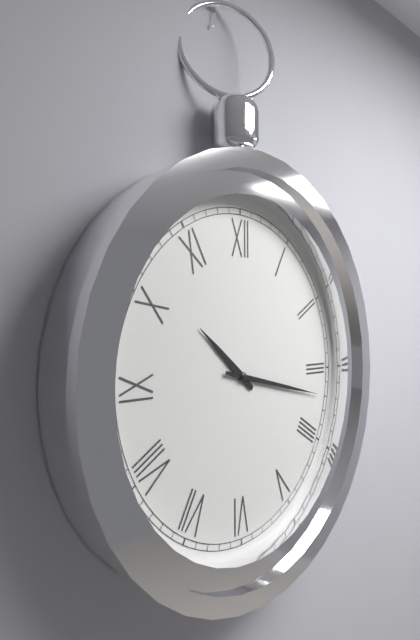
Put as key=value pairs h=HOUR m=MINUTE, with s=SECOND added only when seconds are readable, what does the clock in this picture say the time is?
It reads h=10 m=17
